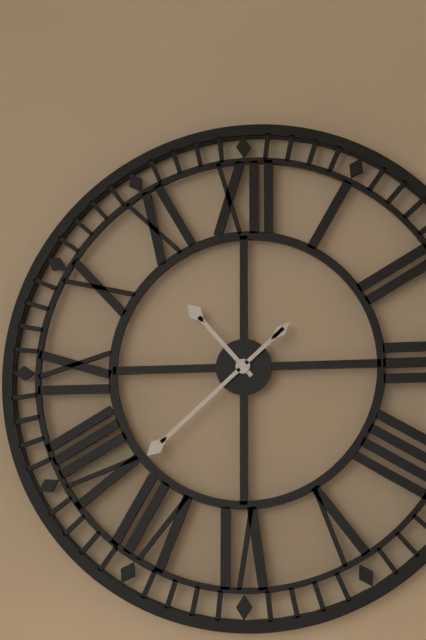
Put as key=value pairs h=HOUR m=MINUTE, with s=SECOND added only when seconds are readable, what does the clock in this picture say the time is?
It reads h=10 m=38
